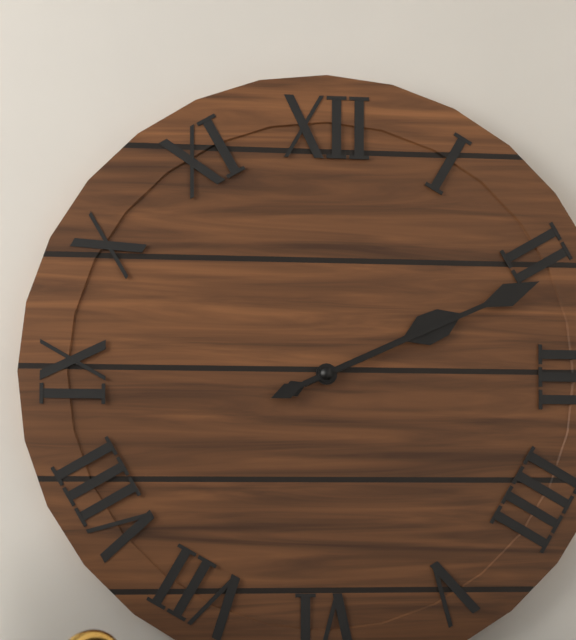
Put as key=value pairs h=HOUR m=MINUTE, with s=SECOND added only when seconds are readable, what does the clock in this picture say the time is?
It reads h=2 m=11
